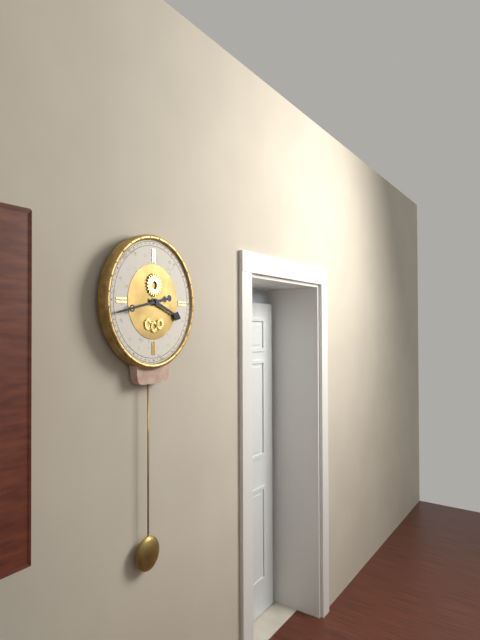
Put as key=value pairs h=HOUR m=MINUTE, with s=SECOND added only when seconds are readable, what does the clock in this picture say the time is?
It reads h=3 m=43
